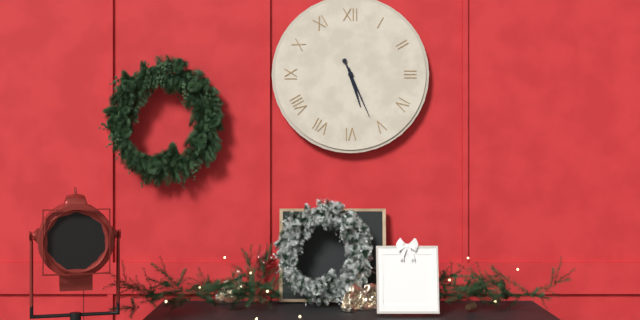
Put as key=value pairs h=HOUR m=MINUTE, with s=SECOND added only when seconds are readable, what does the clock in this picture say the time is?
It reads h=5 m=26
